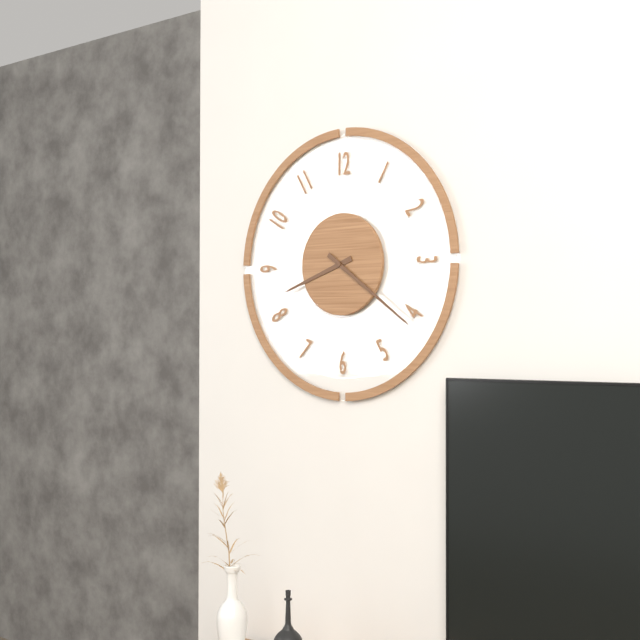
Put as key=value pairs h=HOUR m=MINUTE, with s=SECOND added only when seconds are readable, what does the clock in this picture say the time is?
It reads h=8 m=21
